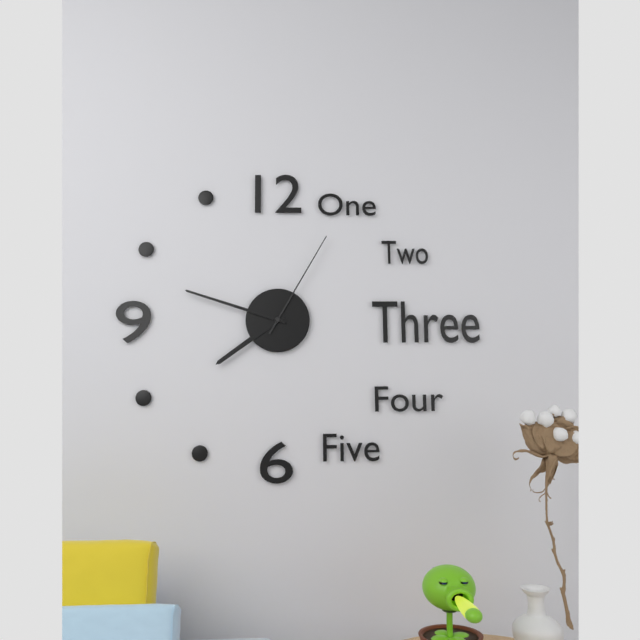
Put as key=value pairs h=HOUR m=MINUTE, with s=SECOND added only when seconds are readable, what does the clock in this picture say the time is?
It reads h=7 m=48 s=5
